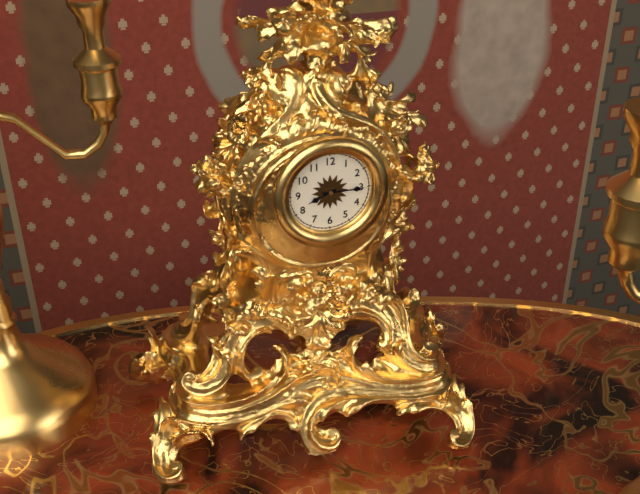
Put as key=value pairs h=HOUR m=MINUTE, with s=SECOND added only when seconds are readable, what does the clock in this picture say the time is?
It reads h=8 m=15
